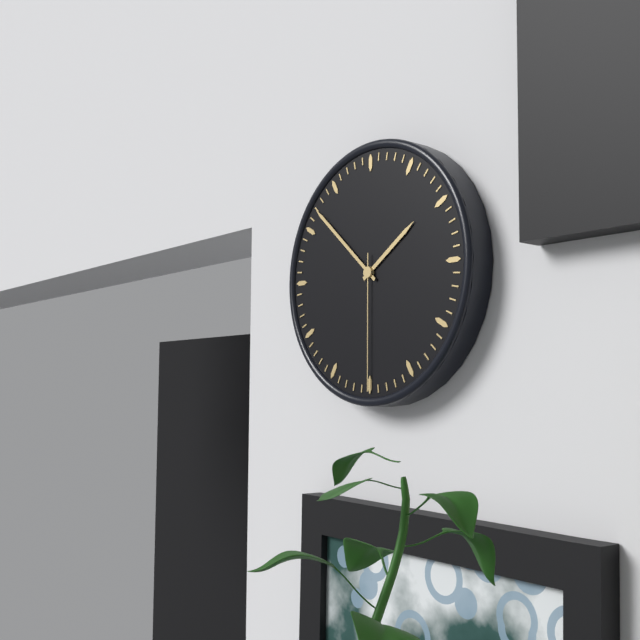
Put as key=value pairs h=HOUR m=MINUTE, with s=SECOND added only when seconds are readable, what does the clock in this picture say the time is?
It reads h=1 m=52 s=30
